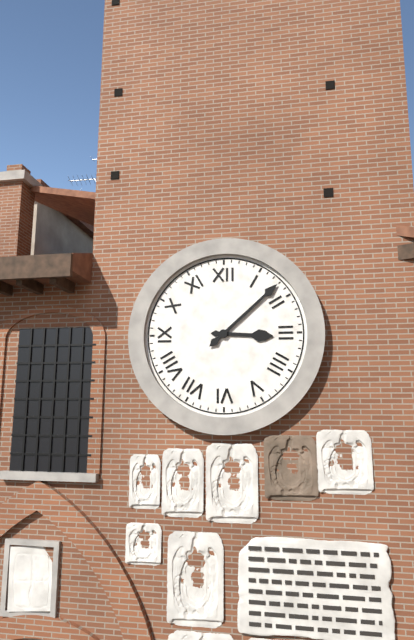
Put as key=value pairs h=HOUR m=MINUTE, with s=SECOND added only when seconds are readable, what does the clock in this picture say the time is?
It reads h=3 m=8
